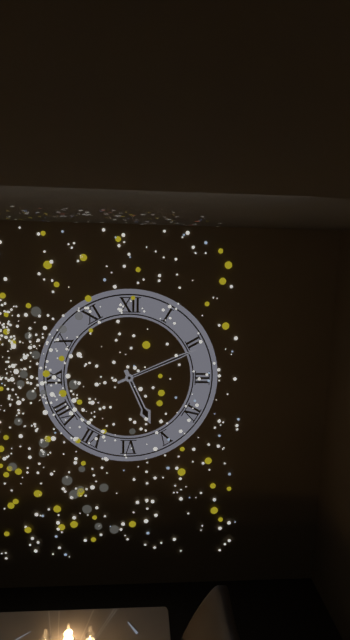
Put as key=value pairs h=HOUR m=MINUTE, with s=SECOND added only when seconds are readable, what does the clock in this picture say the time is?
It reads h=5 m=11
